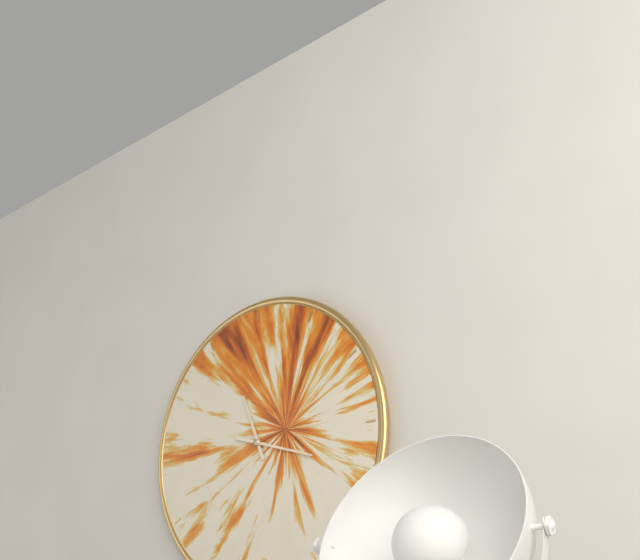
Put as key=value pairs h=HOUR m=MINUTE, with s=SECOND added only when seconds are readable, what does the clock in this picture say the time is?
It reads h=11 m=18
